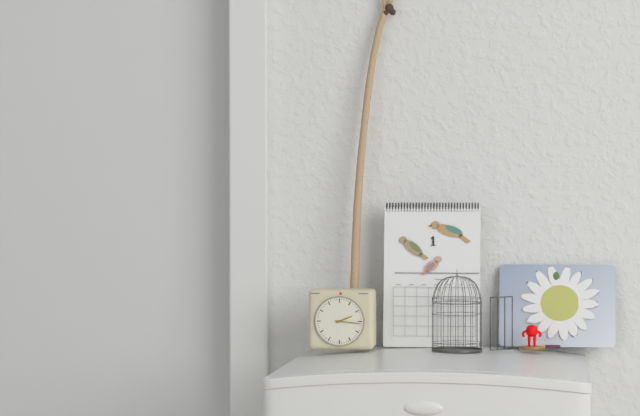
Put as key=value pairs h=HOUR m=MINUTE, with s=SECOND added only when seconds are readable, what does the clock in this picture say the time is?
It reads h=2 m=16
